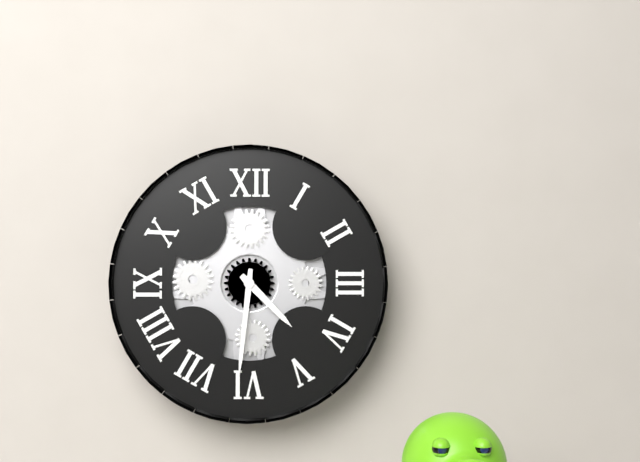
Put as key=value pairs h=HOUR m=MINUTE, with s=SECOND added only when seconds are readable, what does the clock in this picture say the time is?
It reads h=4 m=31
